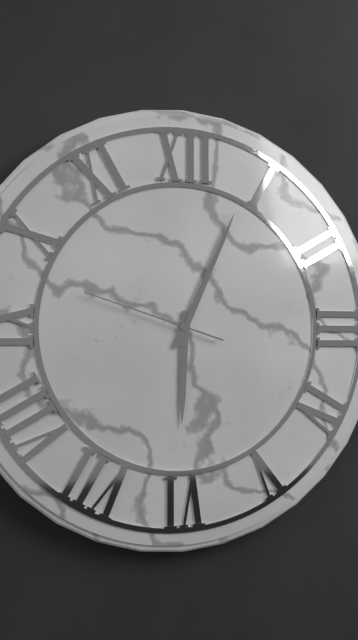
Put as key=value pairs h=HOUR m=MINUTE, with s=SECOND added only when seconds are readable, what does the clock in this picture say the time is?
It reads h=6 m=4 s=48
